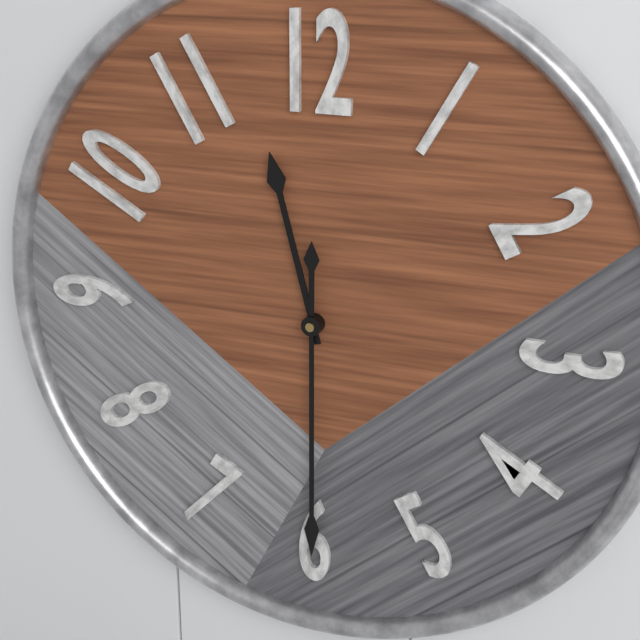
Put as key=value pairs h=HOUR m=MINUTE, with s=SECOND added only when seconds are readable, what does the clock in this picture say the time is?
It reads h=11 m=30
